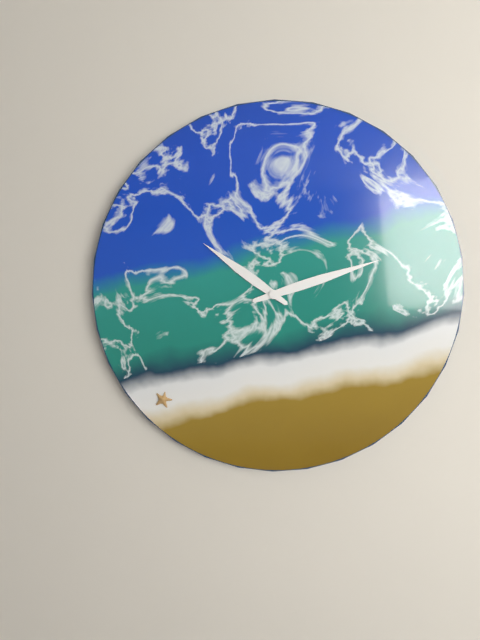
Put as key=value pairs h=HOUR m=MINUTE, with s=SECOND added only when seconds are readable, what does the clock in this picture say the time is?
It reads h=10 m=12
